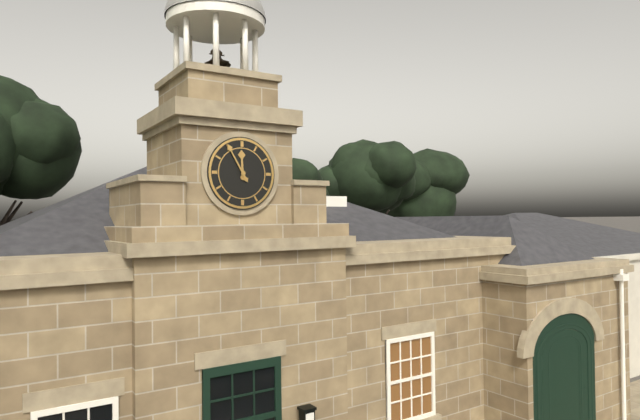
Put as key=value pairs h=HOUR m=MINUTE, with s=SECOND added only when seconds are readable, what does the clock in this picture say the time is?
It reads h=11 m=55
